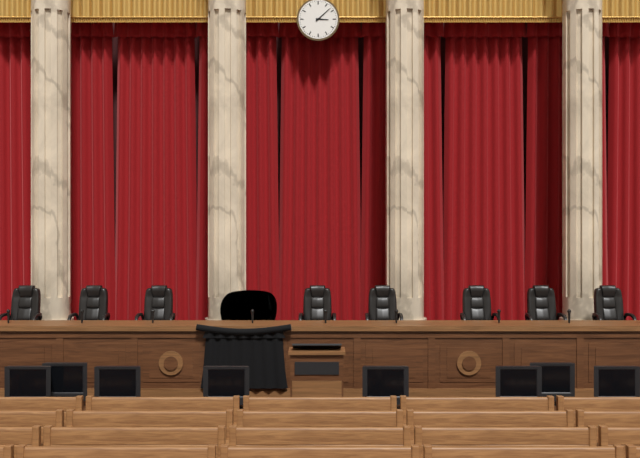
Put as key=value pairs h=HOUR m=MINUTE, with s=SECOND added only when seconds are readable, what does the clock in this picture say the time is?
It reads h=3 m=8
